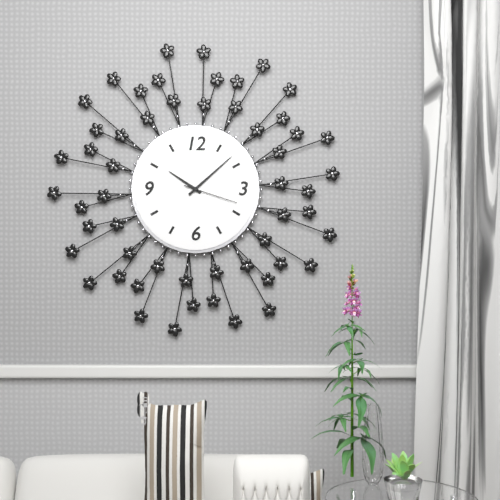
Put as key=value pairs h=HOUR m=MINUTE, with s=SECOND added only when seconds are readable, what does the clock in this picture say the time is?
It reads h=10 m=8 s=18
